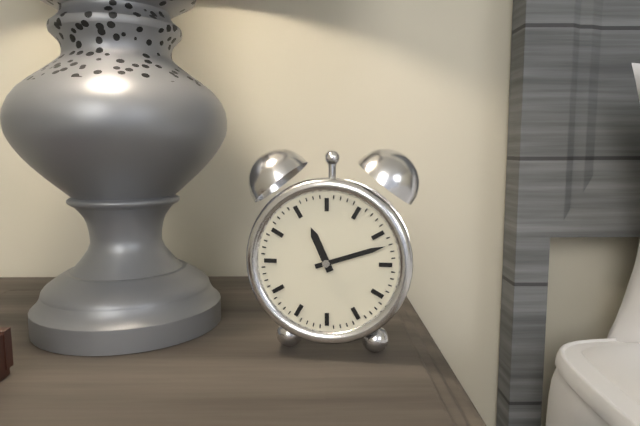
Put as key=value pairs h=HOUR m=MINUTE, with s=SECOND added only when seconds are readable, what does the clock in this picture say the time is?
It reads h=11 m=12
